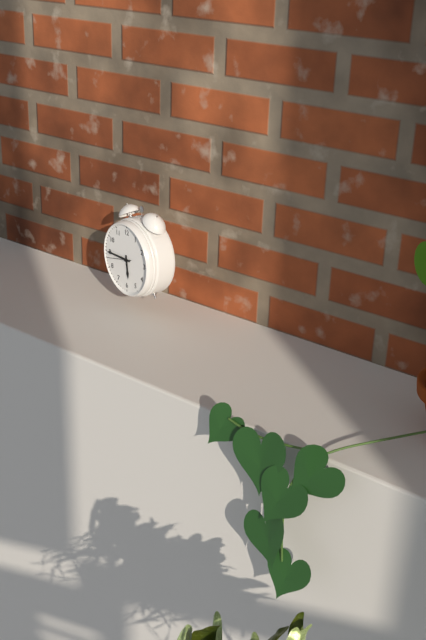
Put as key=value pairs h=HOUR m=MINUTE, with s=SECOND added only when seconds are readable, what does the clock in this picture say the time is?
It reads h=5 m=45
